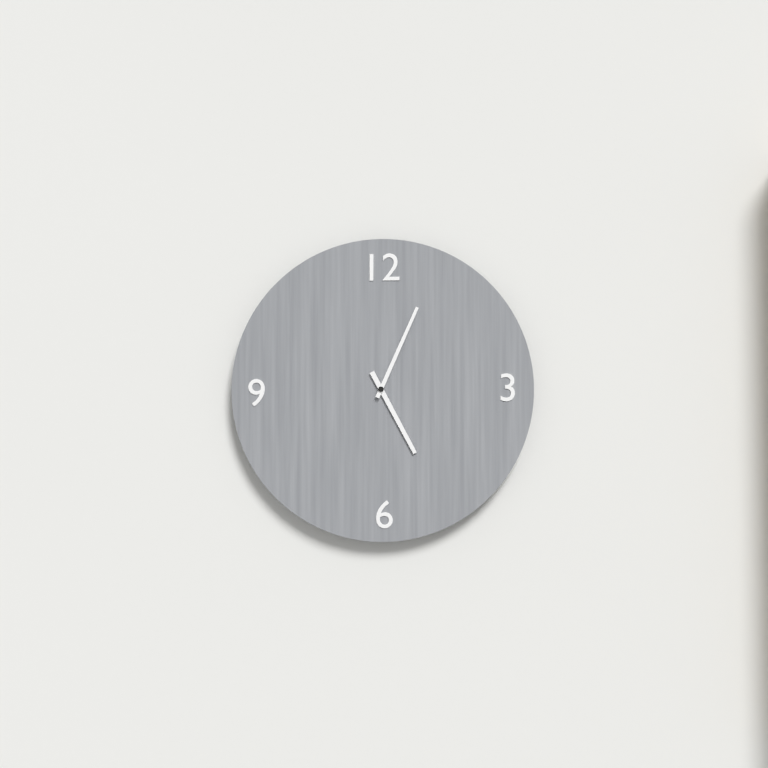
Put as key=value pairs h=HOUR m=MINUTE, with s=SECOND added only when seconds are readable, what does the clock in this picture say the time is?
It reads h=5 m=4
